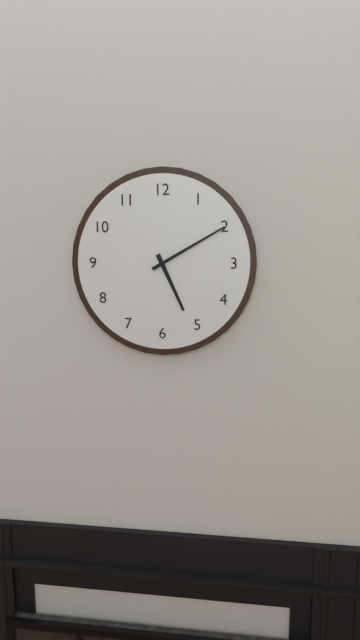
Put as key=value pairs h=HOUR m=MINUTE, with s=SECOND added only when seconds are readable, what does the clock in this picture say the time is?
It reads h=5 m=10
